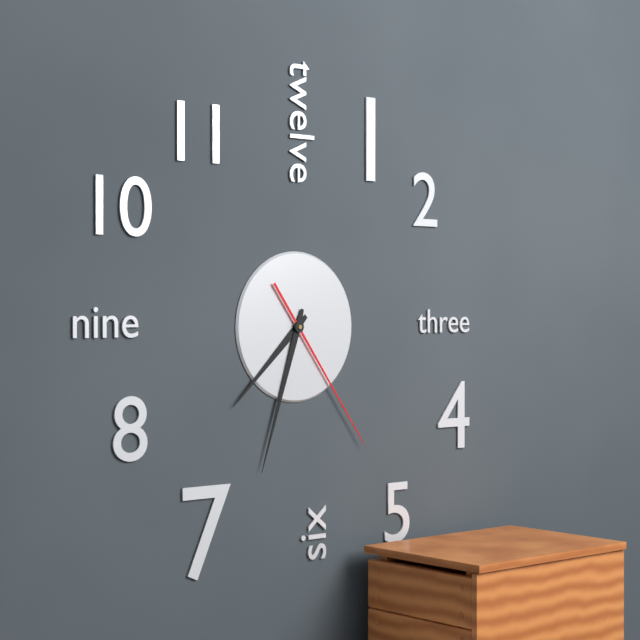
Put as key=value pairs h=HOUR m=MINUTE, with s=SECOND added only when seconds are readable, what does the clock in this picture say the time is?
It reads h=7 m=33 s=24
